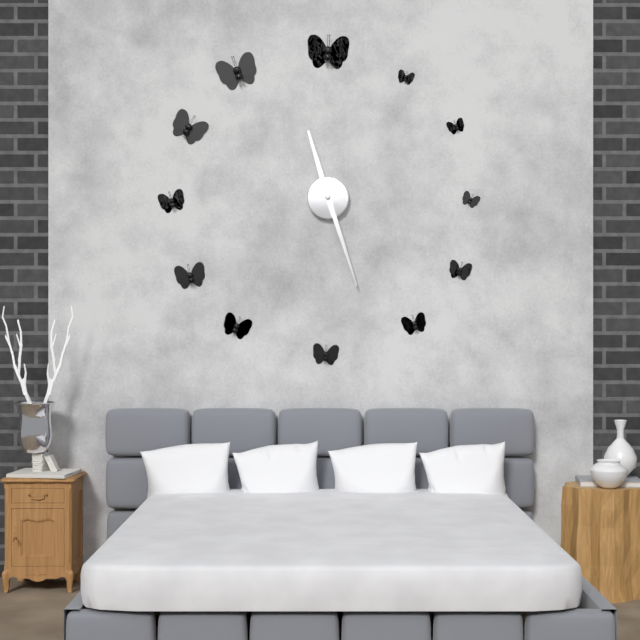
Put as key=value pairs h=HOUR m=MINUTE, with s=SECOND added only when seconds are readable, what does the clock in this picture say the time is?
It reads h=11 m=27
